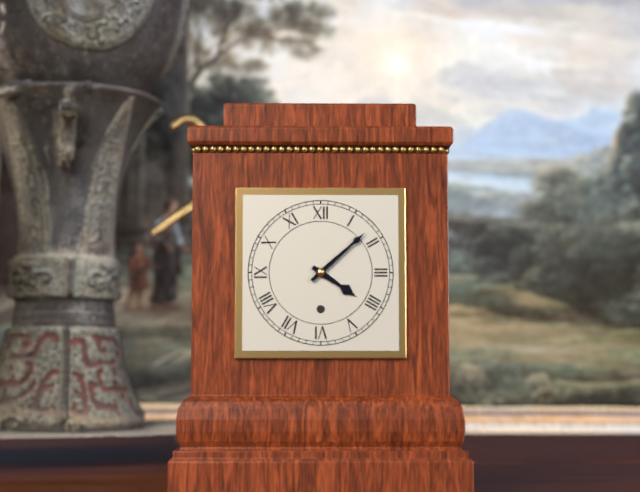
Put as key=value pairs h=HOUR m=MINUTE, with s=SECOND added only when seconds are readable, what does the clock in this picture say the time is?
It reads h=4 m=8
